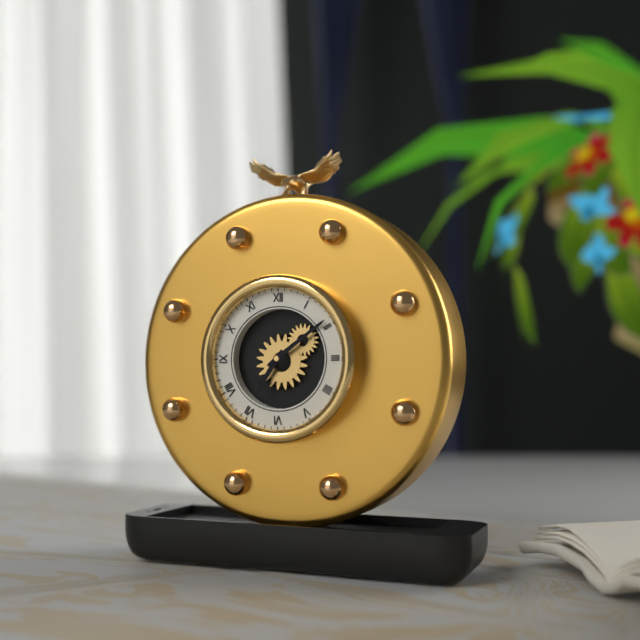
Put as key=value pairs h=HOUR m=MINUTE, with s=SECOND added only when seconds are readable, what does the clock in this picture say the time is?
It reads h=7 m=9
